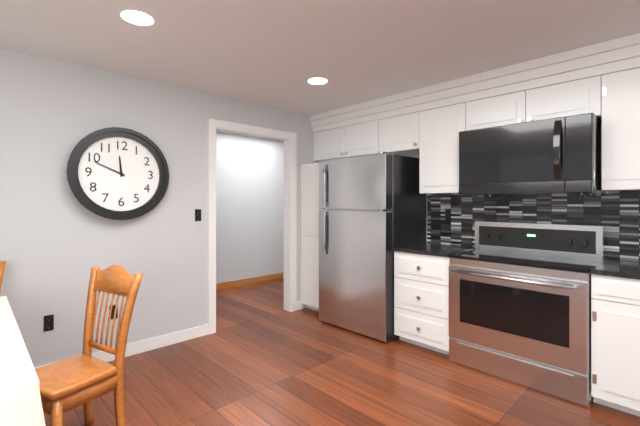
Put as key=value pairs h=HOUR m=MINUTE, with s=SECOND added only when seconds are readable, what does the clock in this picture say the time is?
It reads h=11 m=49
